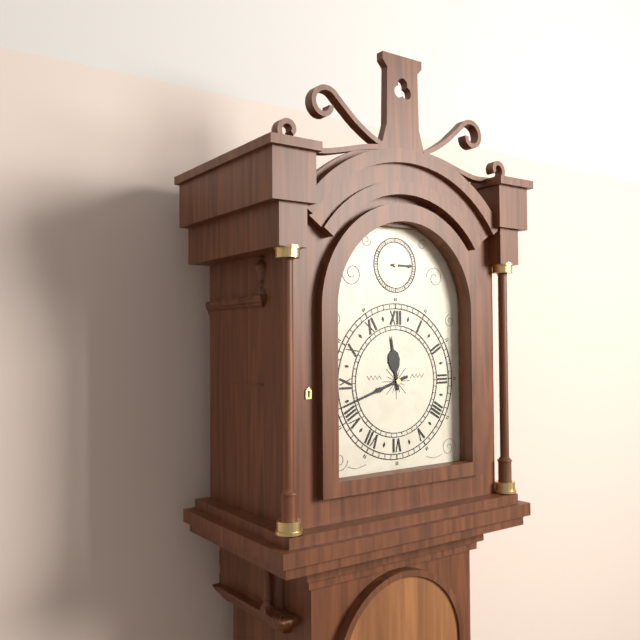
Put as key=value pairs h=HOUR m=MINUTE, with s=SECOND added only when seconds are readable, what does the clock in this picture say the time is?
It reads h=11 m=42
